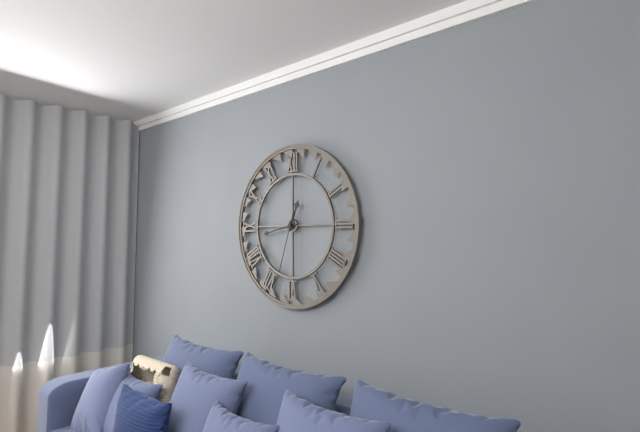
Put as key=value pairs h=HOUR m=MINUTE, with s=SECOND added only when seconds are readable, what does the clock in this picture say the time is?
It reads h=12 m=43 s=33
